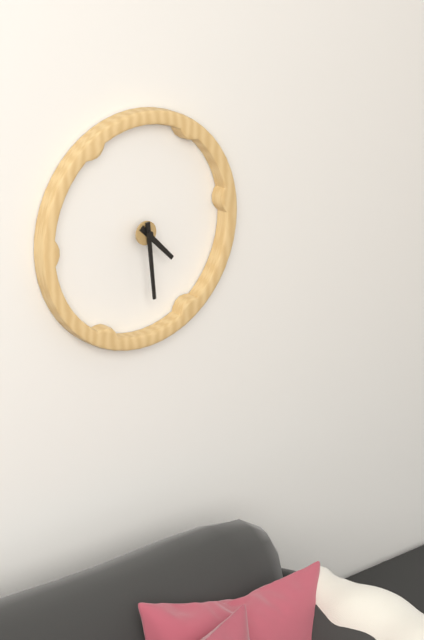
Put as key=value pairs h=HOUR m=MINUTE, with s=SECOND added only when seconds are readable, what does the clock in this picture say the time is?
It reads h=4 m=29
